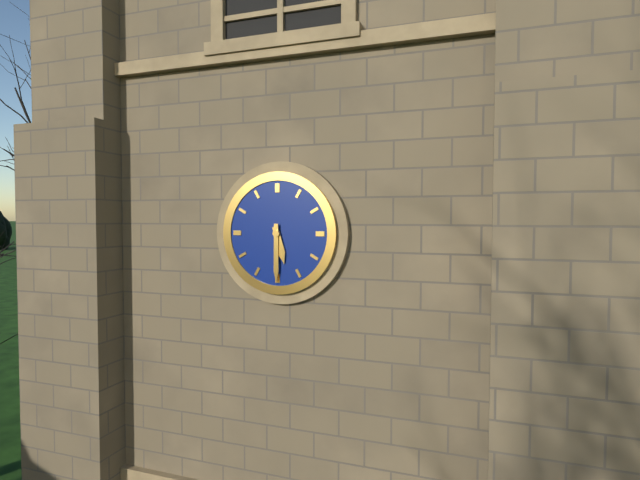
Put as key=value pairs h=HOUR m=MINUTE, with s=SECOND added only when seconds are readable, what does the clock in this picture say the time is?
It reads h=5 m=30
